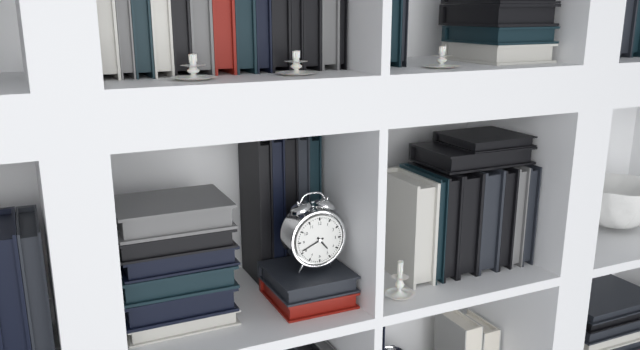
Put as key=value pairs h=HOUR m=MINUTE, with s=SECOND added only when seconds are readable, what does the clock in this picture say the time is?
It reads h=4 m=41
